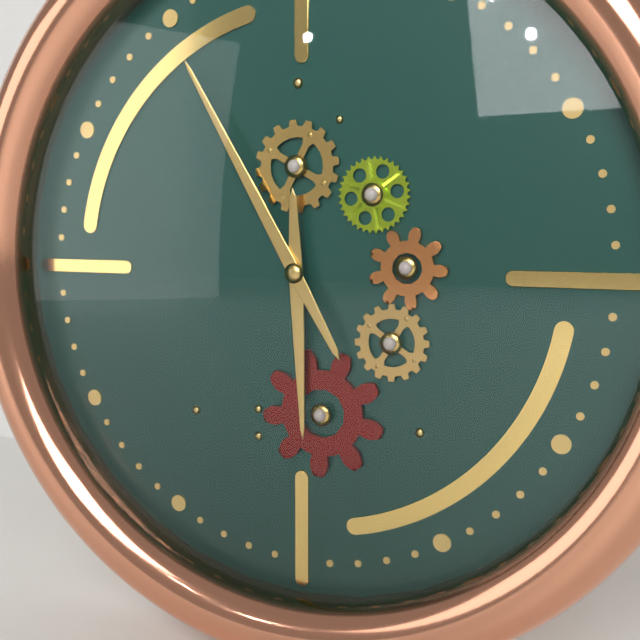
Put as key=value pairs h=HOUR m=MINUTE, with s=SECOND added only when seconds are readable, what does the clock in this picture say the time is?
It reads h=5 m=55
